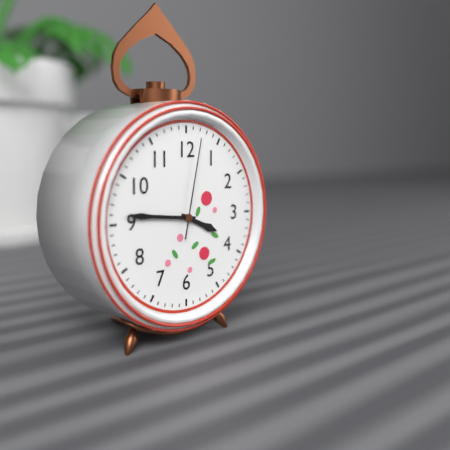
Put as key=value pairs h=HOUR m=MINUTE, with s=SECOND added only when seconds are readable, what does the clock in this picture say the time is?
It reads h=3 m=46 s=2
